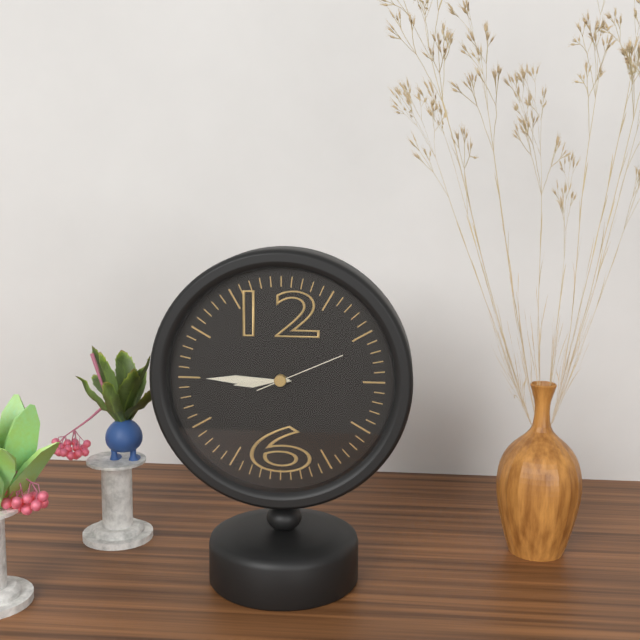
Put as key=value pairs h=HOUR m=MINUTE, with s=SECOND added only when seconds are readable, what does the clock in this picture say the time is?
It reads h=8 m=45 s=11
